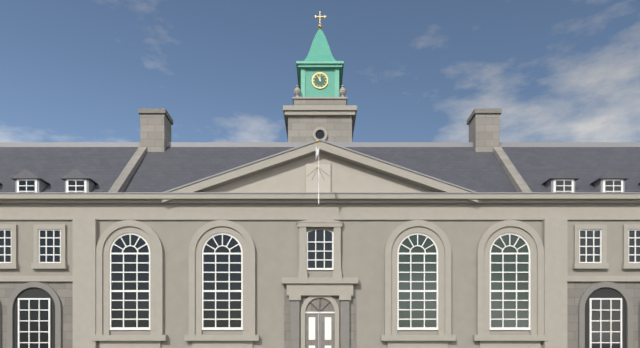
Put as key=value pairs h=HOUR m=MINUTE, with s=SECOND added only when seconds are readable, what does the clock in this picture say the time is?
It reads h=11 m=55
